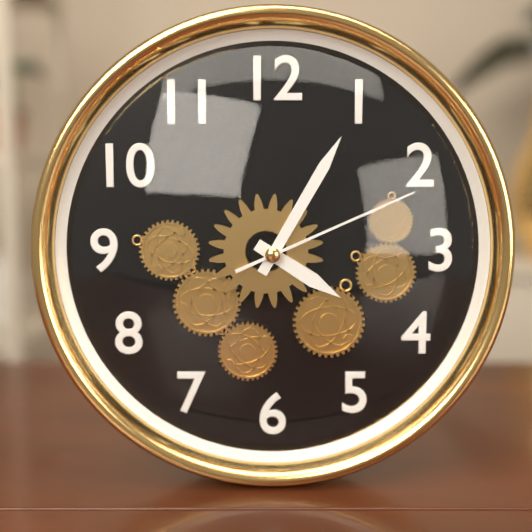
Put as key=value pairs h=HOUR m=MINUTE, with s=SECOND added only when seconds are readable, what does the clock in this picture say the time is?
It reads h=4 m=5 s=11
